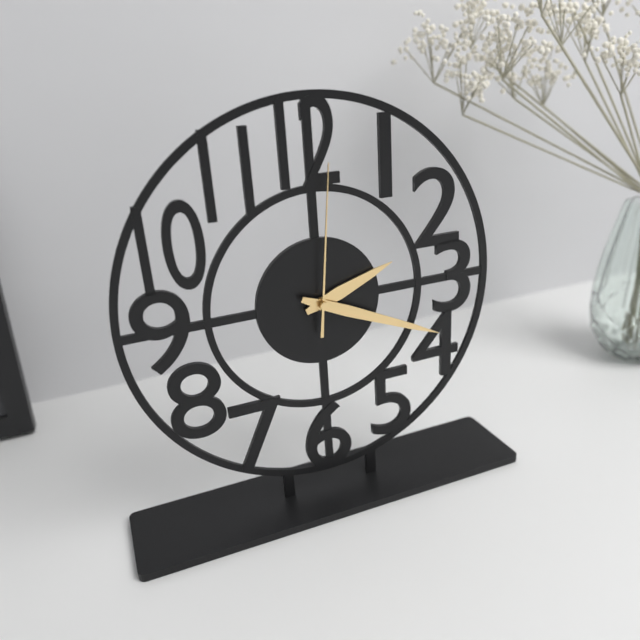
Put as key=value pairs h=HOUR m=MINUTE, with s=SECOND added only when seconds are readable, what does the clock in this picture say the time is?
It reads h=2 m=19 s=1
